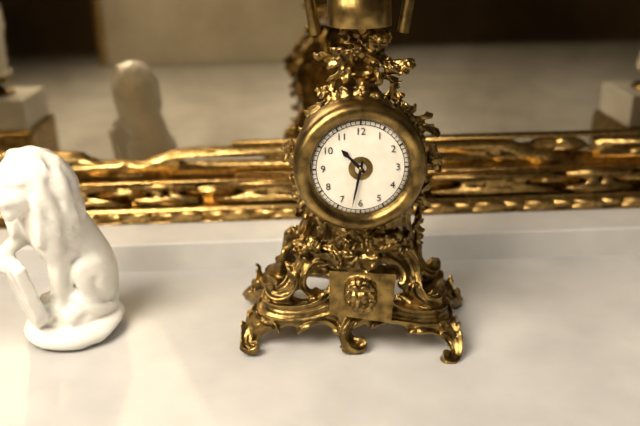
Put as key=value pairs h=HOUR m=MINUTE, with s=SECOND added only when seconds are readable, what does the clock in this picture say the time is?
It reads h=10 m=32
